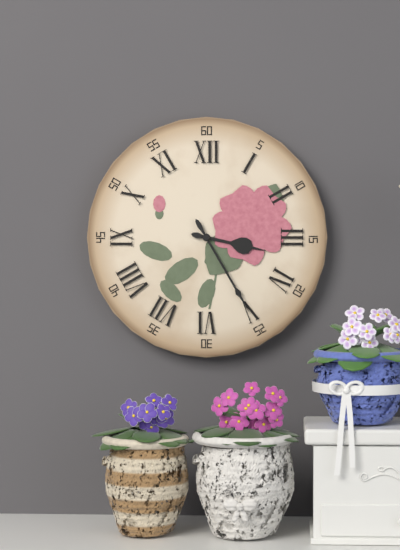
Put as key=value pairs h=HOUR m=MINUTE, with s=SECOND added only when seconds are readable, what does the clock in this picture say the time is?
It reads h=3 m=25
